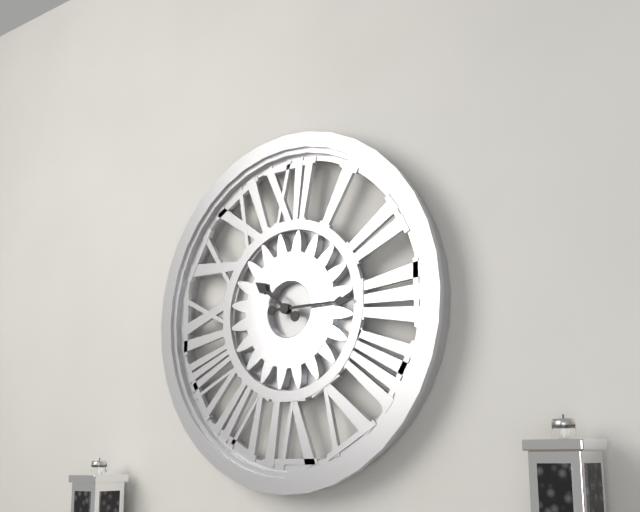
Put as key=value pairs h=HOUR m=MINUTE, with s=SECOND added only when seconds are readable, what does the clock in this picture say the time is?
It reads h=10 m=15
